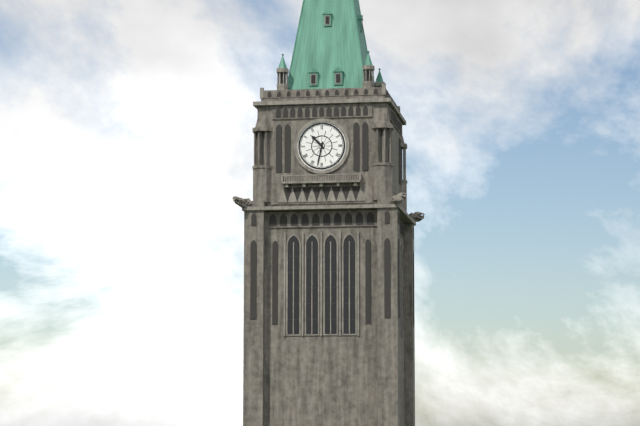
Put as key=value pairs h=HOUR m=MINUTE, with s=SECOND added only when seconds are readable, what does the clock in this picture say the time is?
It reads h=10 m=32
